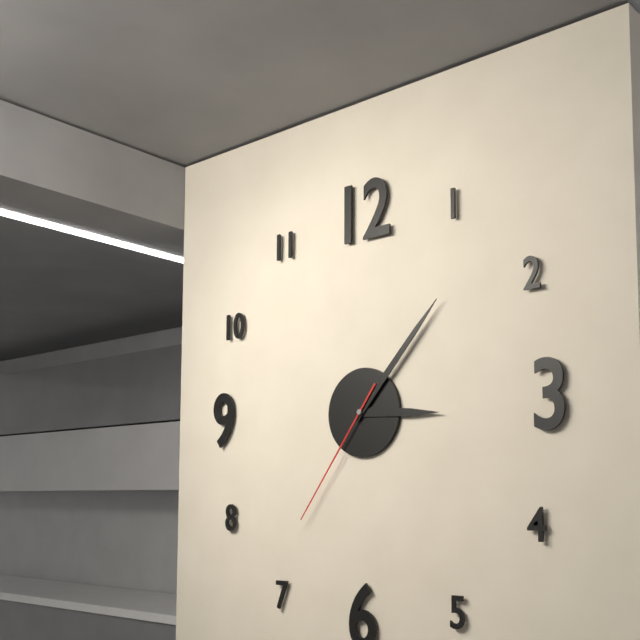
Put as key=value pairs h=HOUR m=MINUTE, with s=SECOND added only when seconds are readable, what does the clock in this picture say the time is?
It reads h=3 m=7 s=36
